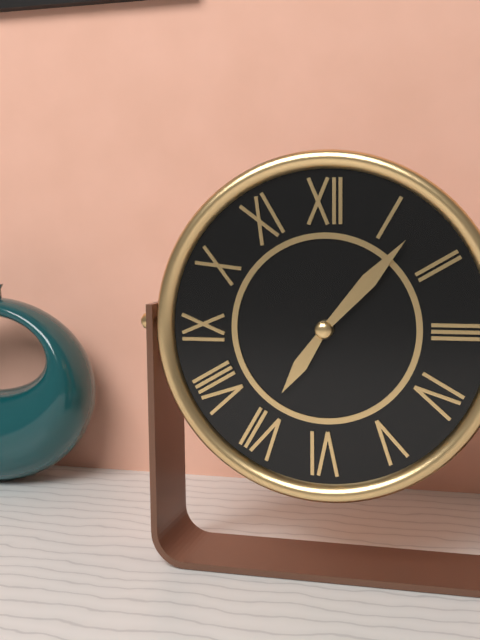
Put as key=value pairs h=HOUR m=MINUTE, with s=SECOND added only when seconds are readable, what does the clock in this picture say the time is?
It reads h=7 m=7
